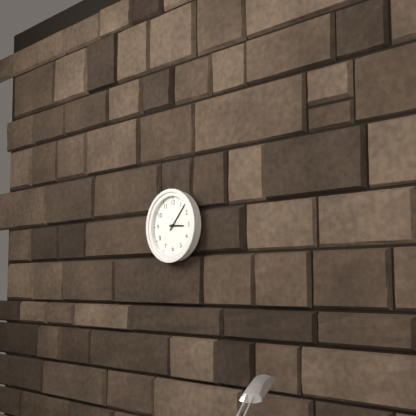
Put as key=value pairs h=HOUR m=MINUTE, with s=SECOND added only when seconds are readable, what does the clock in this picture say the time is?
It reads h=3 m=7
